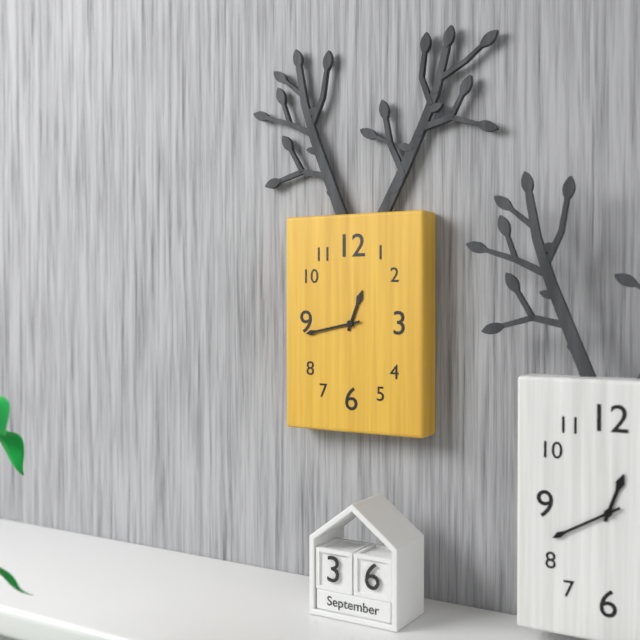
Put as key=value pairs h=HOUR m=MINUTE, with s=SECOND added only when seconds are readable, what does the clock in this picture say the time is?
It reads h=12 m=43
